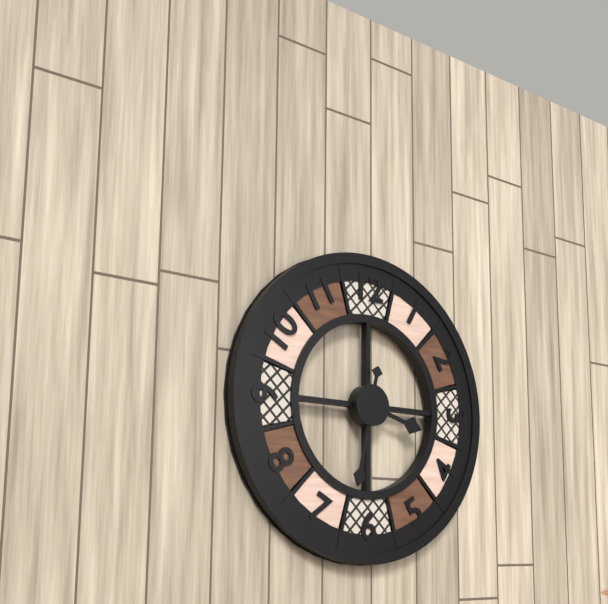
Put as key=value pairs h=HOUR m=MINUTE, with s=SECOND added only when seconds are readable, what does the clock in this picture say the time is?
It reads h=3 m=32
